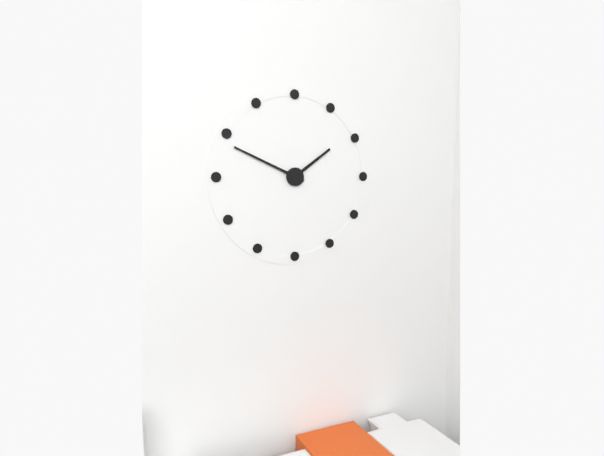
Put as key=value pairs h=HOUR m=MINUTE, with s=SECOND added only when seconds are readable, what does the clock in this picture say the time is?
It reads h=1 m=49
